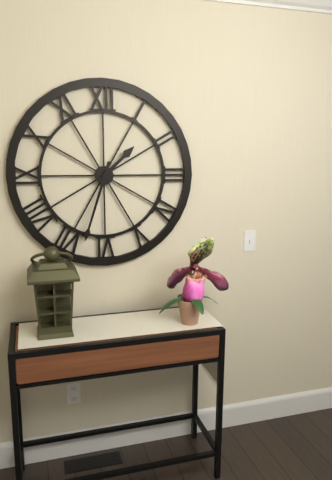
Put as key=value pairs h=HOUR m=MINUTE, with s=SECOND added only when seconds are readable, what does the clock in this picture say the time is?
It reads h=1 m=33
